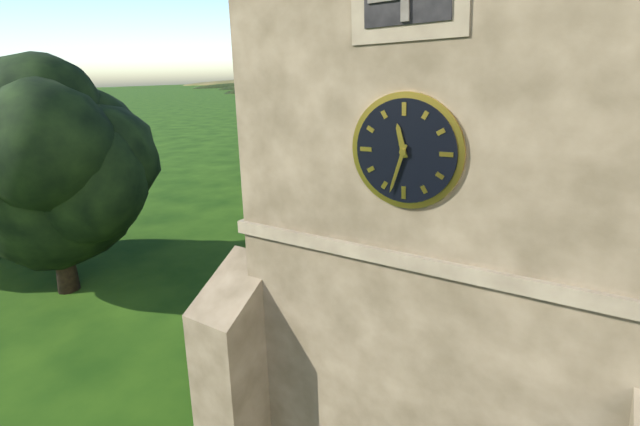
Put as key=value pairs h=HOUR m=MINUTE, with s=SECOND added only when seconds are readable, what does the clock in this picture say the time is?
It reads h=11 m=33
